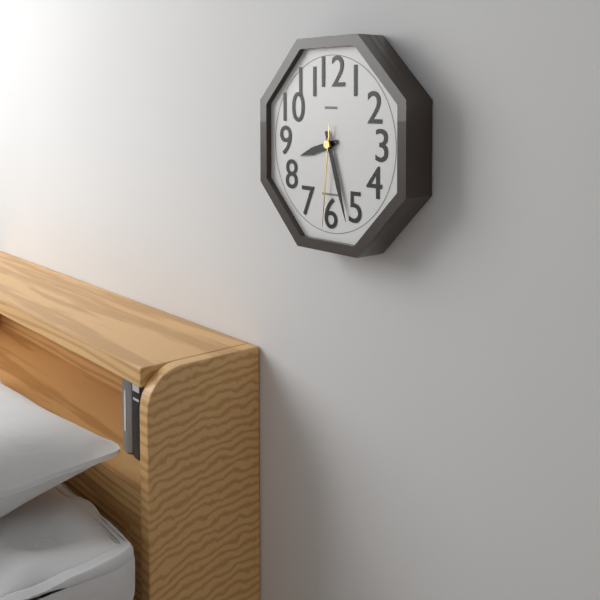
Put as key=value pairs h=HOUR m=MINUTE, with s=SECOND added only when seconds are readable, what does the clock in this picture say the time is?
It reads h=8 m=27 s=31
